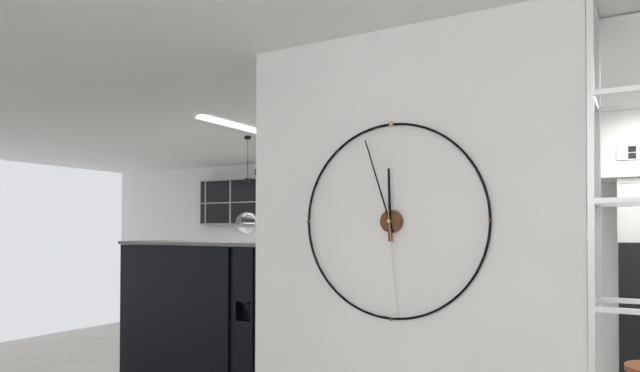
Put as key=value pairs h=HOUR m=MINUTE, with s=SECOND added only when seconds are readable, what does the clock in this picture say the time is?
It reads h=11 m=57 s=29
